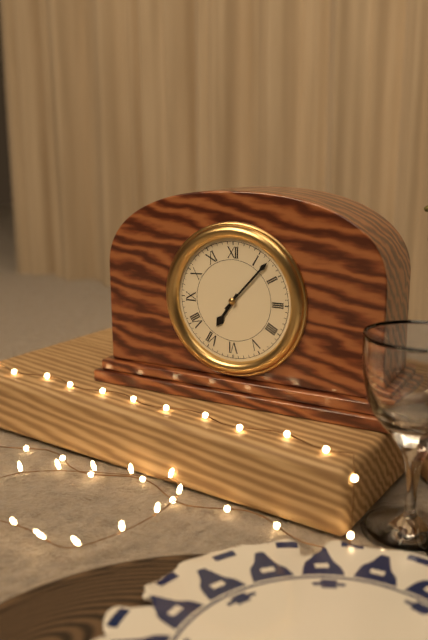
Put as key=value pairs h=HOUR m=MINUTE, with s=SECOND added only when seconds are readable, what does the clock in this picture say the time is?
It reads h=7 m=7
